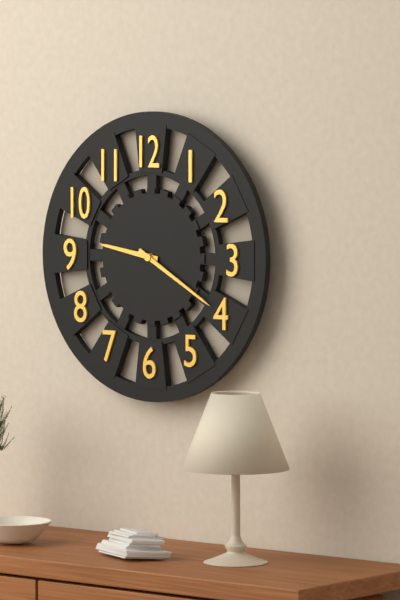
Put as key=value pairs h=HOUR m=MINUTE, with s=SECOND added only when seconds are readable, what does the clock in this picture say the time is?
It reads h=9 m=20
